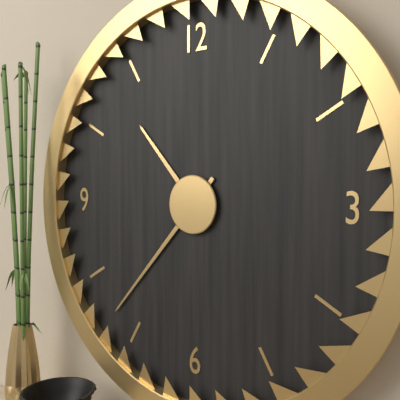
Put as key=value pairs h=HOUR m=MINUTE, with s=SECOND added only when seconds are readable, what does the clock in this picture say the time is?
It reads h=10 m=37
